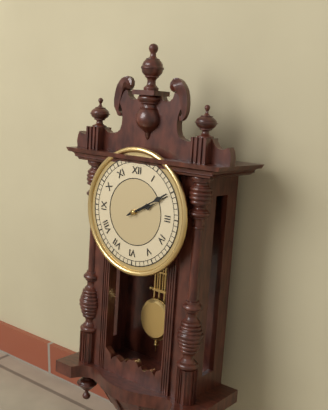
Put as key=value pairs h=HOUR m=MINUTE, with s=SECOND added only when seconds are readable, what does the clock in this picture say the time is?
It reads h=2 m=10
